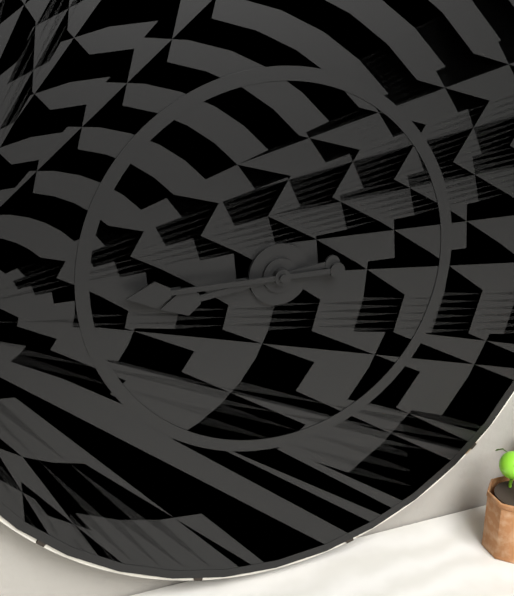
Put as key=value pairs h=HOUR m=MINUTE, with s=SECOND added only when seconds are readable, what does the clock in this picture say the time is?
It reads h=8 m=45
